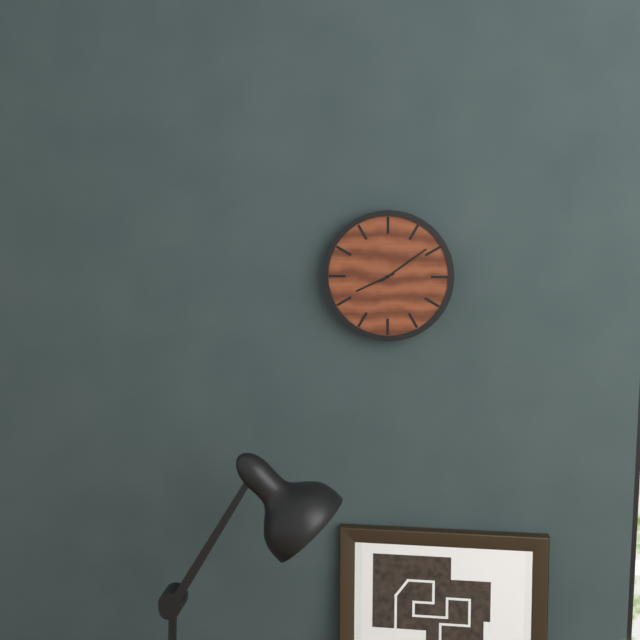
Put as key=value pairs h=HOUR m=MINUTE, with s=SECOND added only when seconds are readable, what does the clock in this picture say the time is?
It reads h=8 m=9
